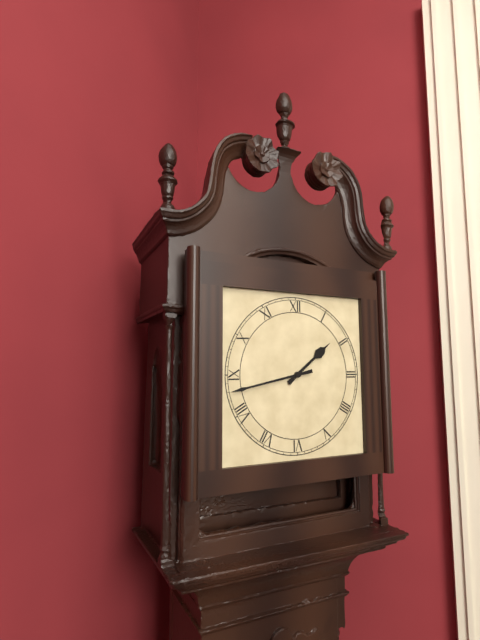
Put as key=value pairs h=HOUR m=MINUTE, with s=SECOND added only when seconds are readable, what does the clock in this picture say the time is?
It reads h=1 m=43
